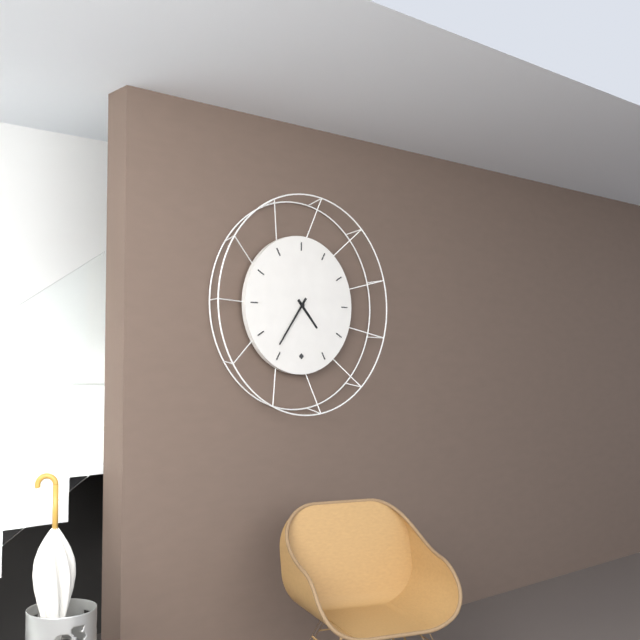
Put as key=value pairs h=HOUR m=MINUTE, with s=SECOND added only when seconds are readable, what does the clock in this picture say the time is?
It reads h=4 m=36
